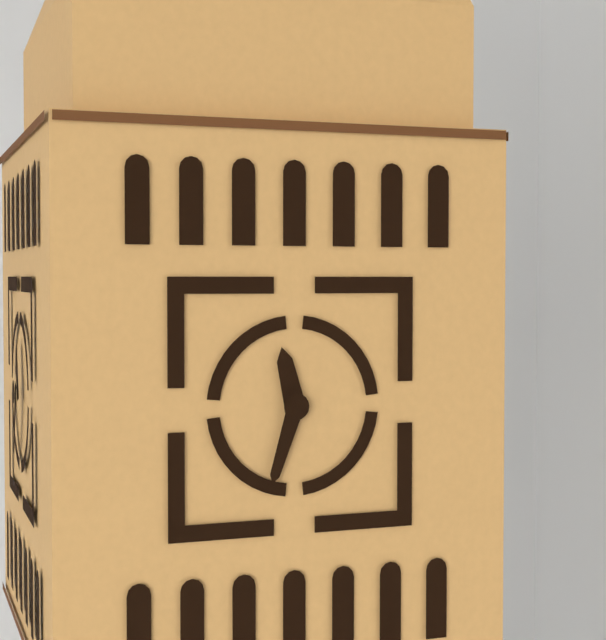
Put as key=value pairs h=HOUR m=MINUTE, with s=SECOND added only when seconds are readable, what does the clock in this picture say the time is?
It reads h=11 m=33
